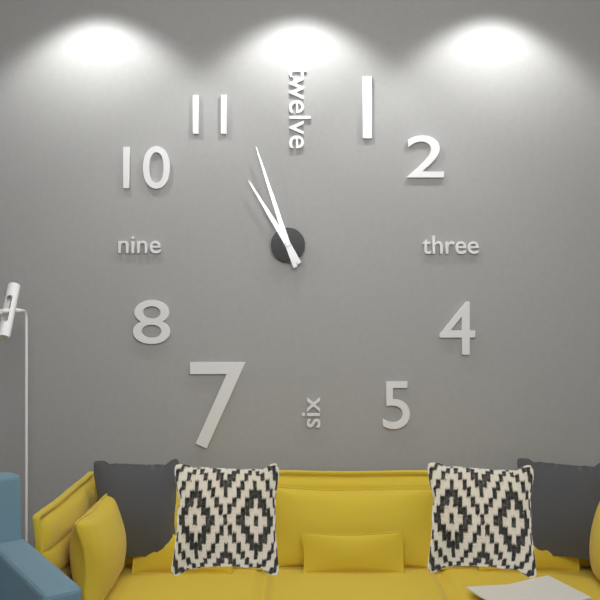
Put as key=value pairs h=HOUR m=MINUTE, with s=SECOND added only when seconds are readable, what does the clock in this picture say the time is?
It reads h=10 m=57
